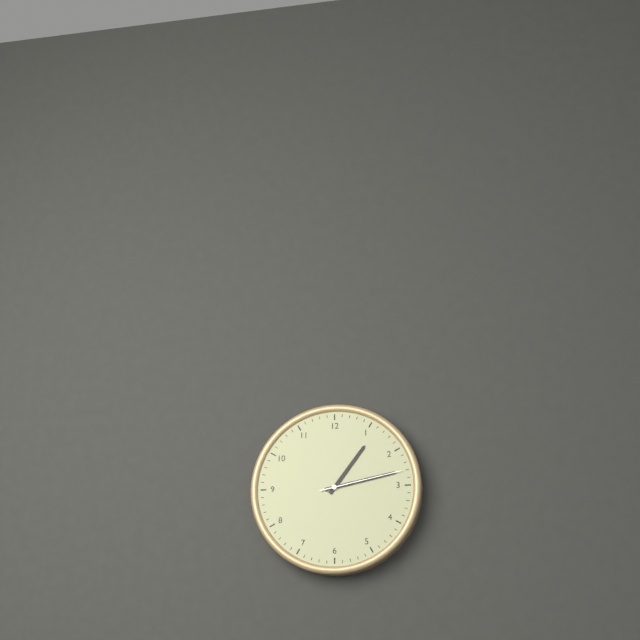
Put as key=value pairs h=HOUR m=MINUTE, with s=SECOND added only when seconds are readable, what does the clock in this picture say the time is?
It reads h=1 m=13 s=13
